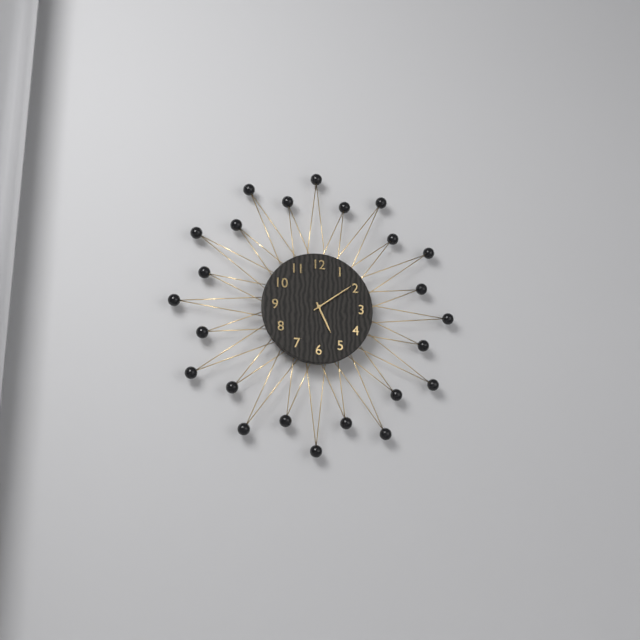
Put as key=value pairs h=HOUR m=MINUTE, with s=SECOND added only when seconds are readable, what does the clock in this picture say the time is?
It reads h=5 m=9
